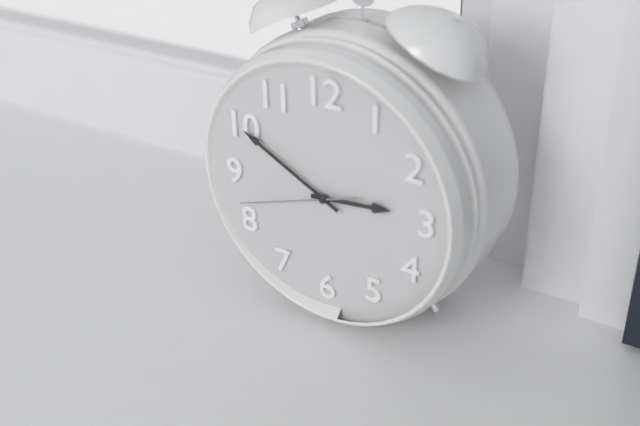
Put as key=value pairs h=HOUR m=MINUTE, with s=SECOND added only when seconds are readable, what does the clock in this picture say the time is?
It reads h=2 m=50 s=42
